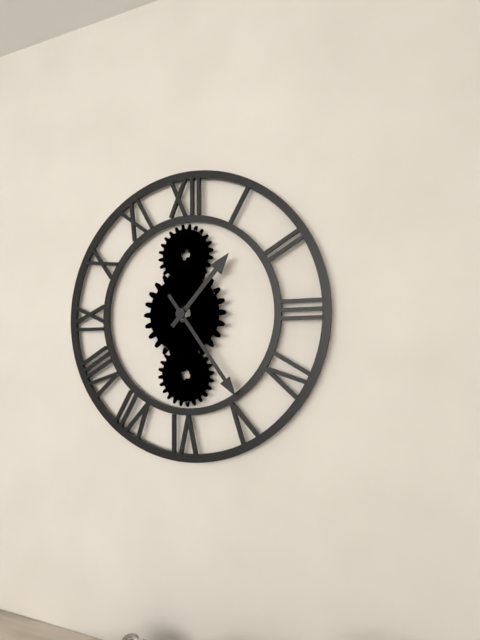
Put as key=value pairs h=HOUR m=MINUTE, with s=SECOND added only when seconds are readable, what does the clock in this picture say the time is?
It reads h=1 m=24
